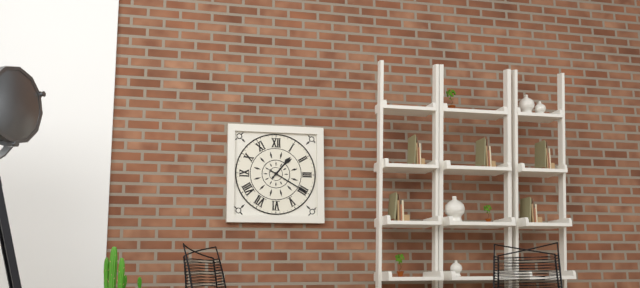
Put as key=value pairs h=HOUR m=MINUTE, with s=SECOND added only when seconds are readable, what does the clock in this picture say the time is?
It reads h=1 m=20
